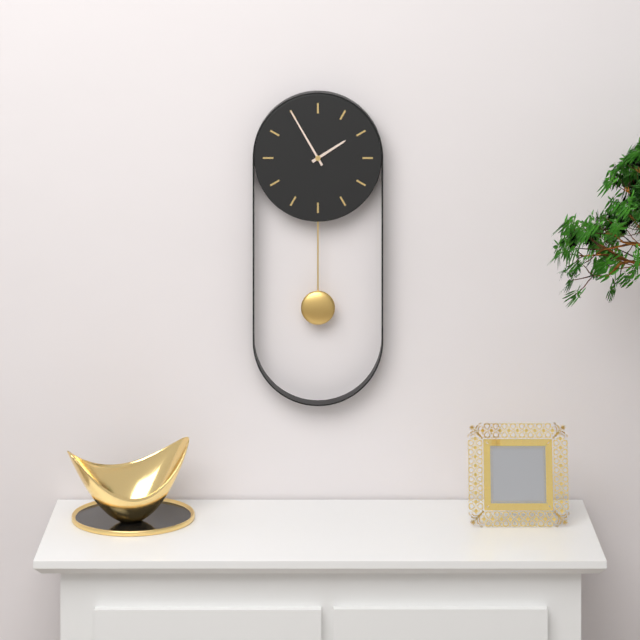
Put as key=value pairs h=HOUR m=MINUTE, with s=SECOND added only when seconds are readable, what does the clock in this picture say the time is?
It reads h=1 m=55
